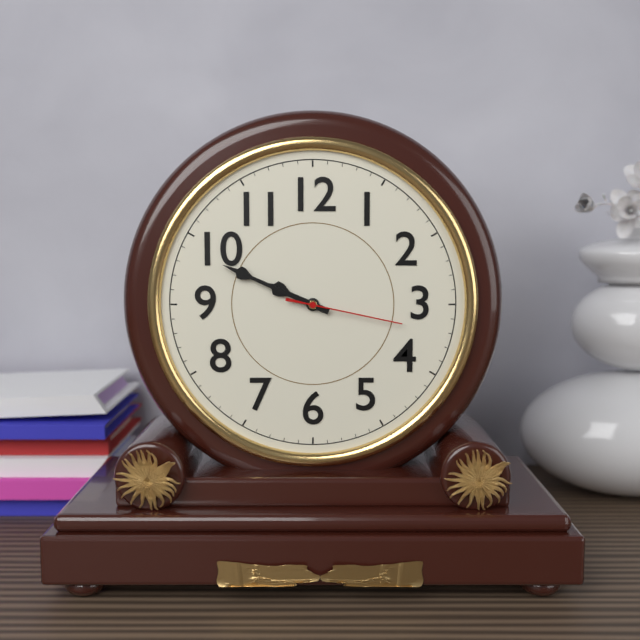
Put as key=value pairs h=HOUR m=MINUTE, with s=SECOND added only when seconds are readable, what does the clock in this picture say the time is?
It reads h=9 m=49 s=17
